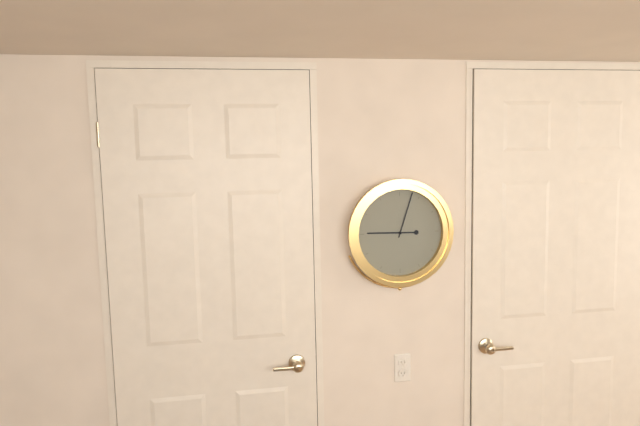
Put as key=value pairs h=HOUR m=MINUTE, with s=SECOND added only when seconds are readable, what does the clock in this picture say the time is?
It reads h=9 m=3
